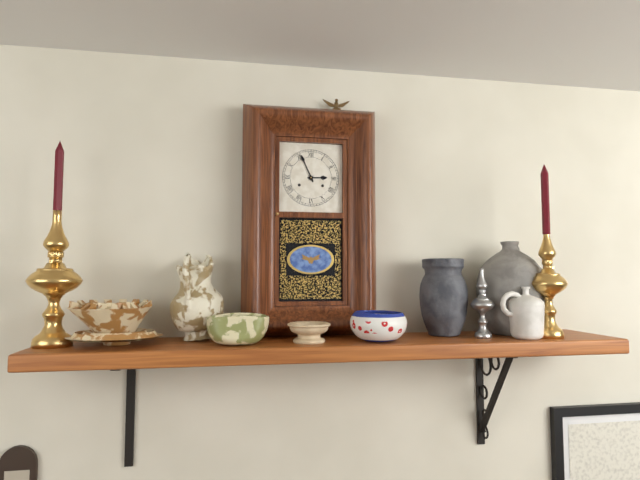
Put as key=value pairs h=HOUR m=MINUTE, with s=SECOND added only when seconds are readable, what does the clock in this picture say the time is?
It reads h=2 m=56
